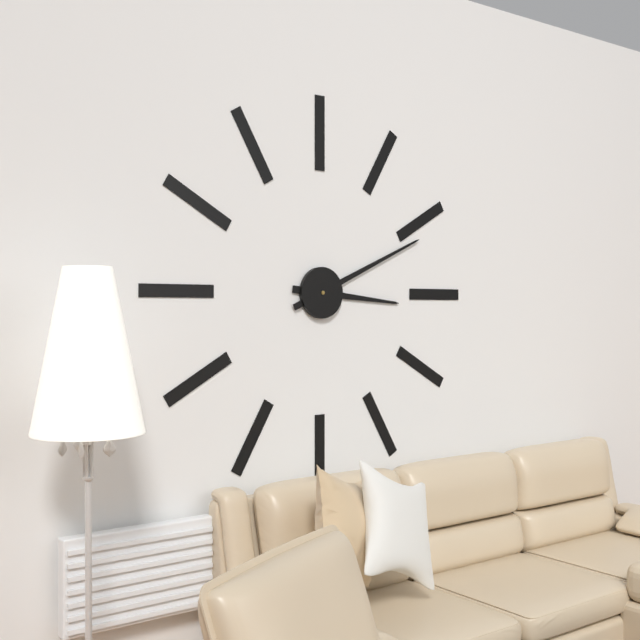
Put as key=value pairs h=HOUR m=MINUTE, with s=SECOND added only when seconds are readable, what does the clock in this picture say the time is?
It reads h=3 m=11
